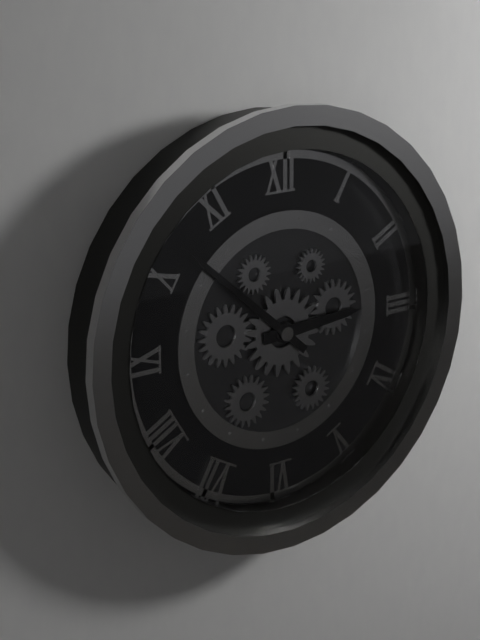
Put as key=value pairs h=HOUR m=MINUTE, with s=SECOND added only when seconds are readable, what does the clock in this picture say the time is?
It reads h=2 m=52
